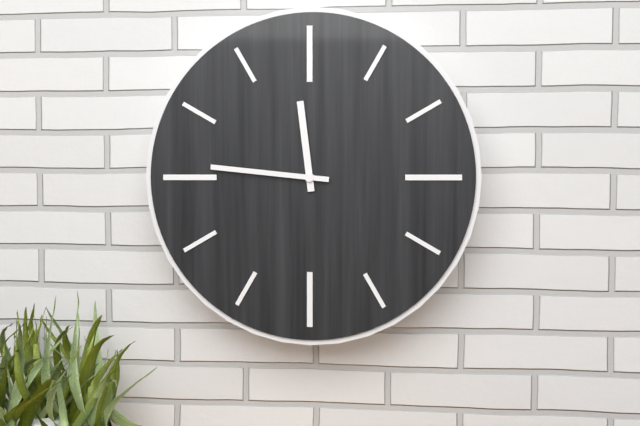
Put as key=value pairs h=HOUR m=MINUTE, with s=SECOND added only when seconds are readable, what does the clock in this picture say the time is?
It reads h=11 m=46
